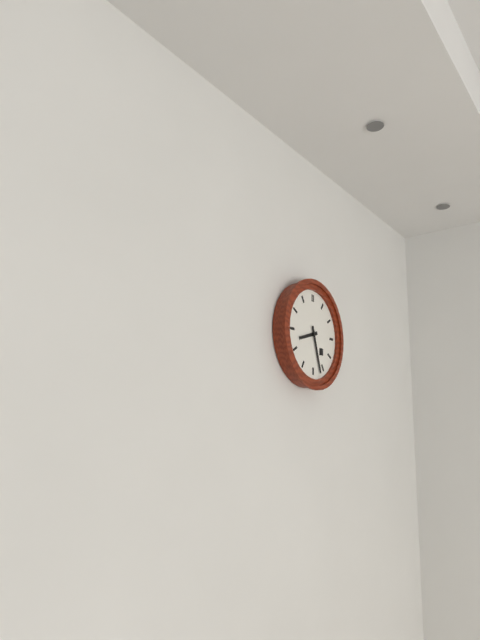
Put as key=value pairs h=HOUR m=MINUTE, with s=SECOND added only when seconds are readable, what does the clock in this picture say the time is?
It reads h=8 m=27
